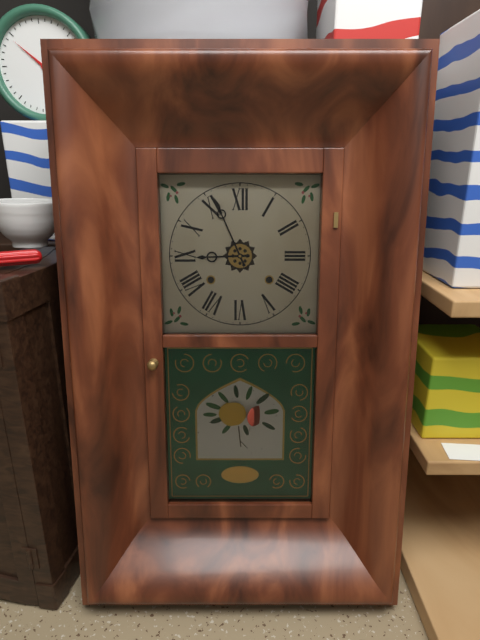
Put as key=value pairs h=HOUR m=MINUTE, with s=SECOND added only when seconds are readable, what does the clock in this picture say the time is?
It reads h=8 m=56
